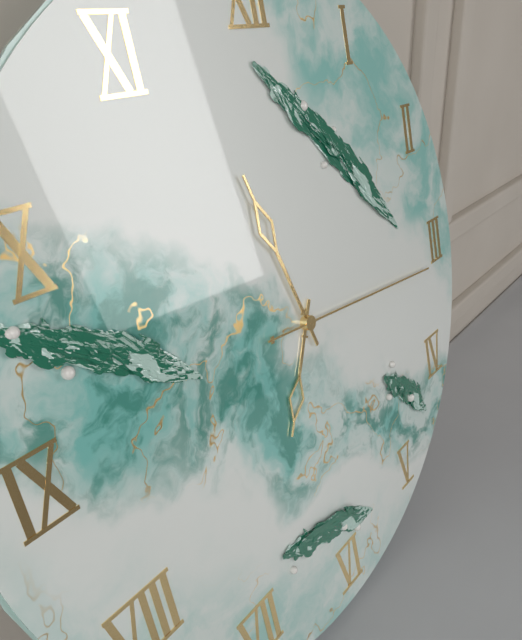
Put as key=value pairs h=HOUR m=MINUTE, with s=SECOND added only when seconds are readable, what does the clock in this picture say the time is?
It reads h=6 m=57 s=16
